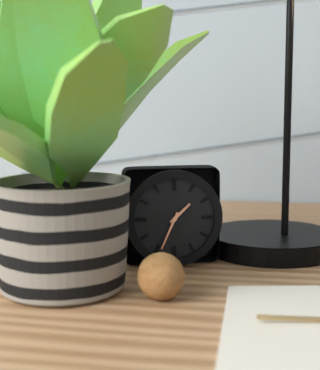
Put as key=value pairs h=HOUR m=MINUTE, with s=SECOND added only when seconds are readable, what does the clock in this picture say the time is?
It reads h=1 m=34
